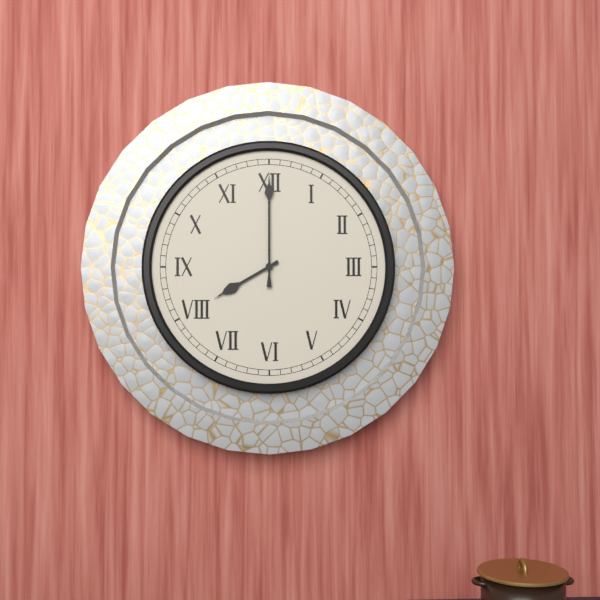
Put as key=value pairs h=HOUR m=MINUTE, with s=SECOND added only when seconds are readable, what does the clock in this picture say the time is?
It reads h=8 m=0
